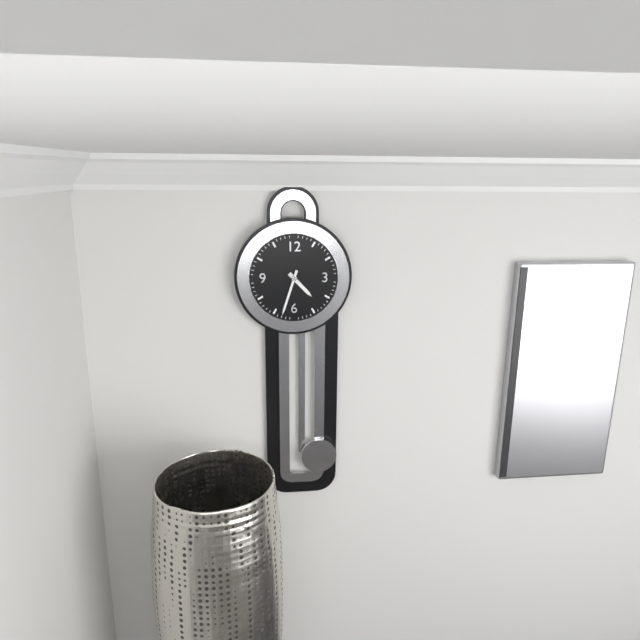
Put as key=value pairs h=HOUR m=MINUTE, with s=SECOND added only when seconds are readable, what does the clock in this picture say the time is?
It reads h=4 m=33
